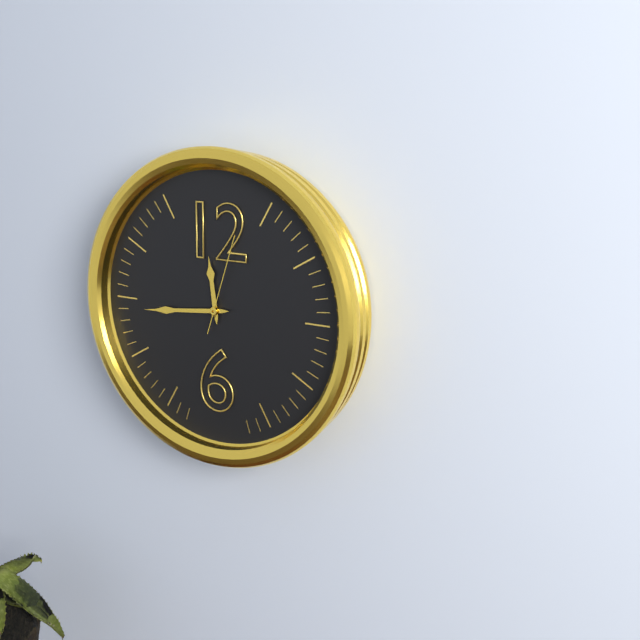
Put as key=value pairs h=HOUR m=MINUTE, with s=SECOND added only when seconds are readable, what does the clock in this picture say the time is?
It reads h=11 m=44 s=3
